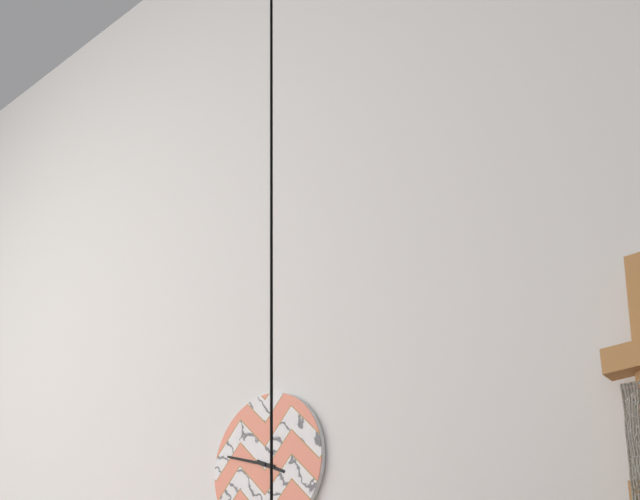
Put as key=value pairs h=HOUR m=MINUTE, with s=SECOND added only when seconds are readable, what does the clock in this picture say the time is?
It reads h=3 m=48
